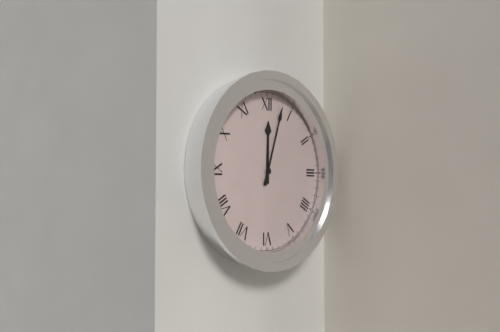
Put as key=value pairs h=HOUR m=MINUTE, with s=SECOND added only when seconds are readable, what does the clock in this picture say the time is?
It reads h=12 m=3
